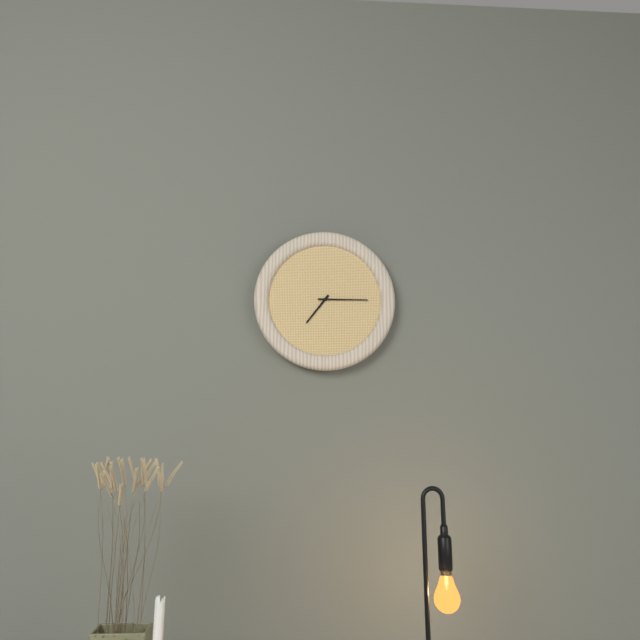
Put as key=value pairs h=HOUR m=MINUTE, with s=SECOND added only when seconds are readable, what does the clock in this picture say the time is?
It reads h=7 m=15
